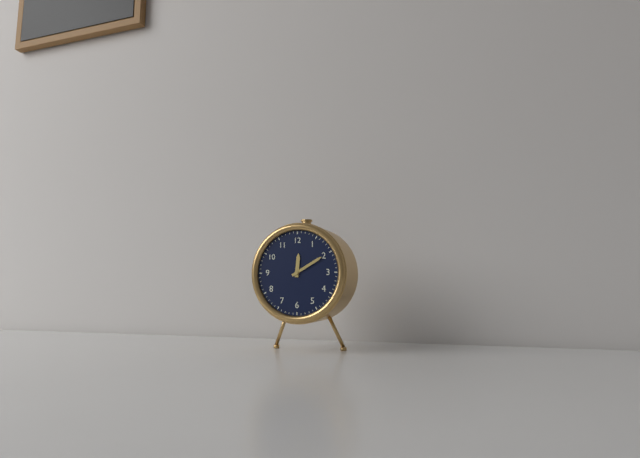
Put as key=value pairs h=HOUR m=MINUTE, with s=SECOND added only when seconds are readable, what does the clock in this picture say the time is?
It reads h=12 m=10
